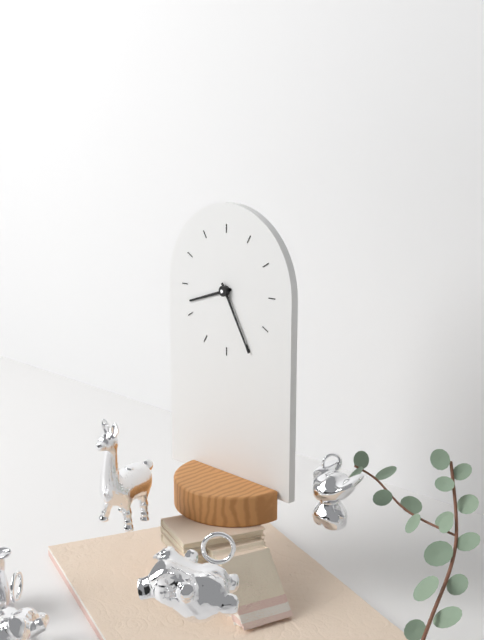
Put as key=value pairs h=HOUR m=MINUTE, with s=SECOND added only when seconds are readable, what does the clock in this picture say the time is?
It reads h=8 m=25
